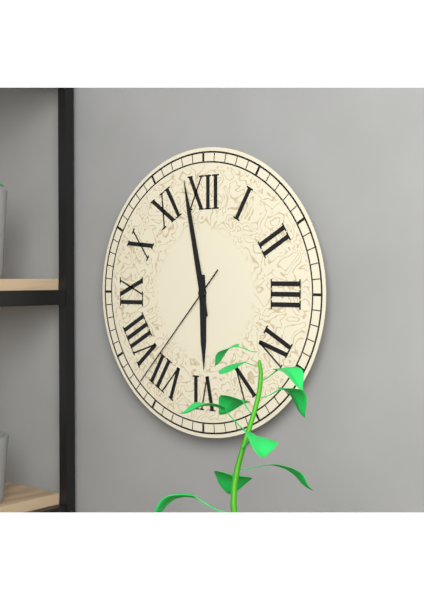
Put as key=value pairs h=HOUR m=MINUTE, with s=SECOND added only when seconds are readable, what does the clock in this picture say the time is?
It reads h=5 m=58 s=37
